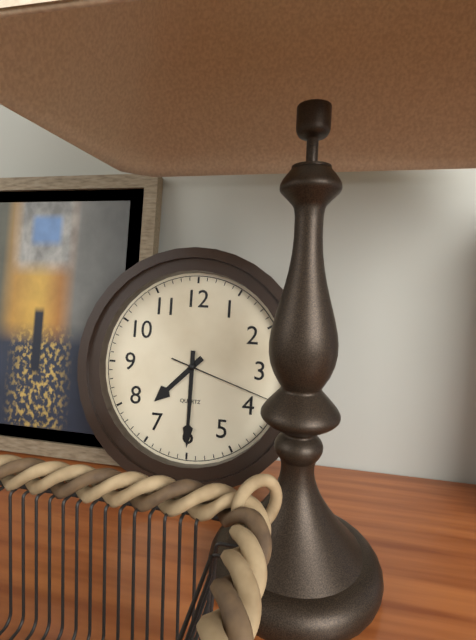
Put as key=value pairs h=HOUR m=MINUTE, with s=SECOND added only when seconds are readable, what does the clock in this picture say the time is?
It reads h=7 m=30 s=18
